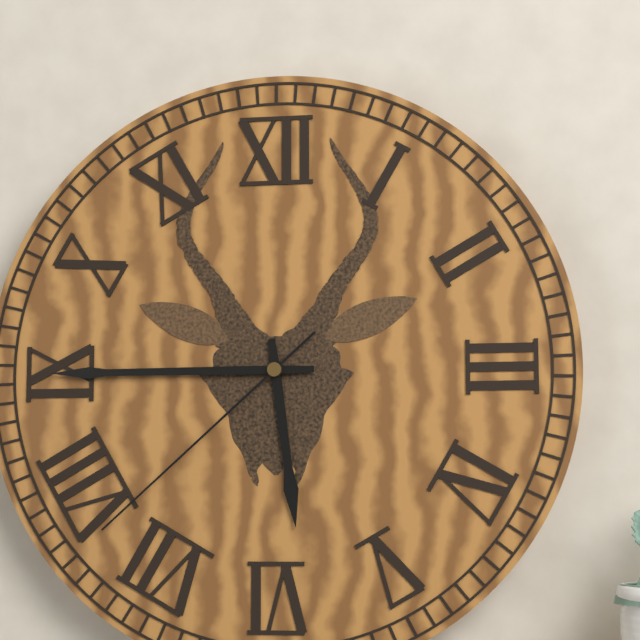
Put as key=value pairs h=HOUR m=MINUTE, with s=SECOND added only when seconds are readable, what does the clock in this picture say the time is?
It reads h=5 m=45 s=38
